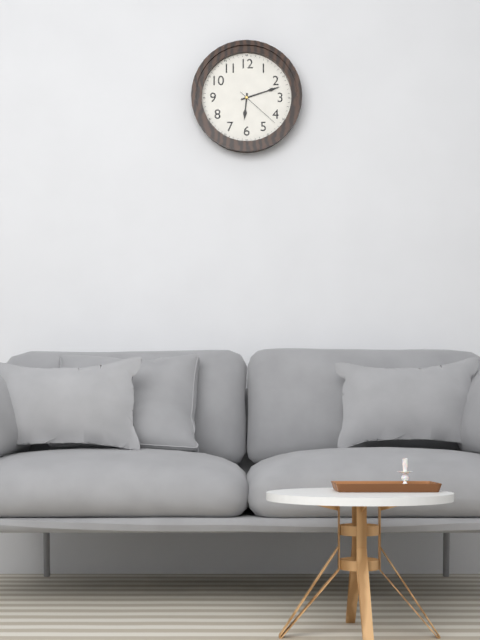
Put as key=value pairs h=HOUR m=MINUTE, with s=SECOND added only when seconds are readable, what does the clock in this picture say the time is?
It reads h=6 m=12
